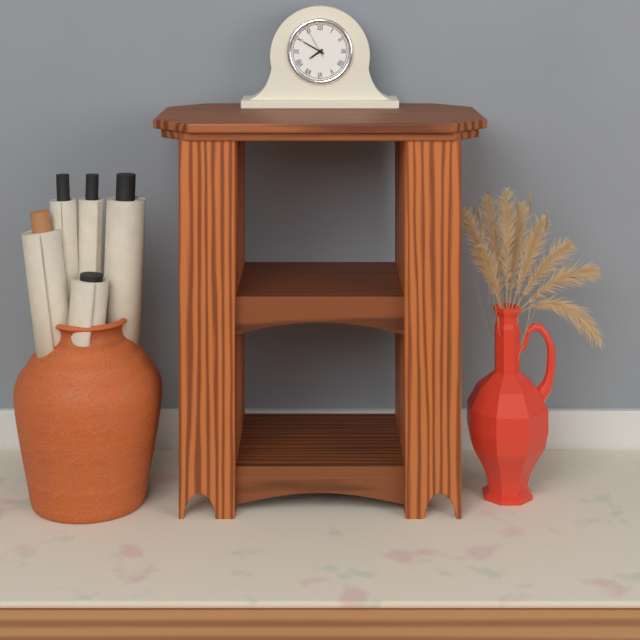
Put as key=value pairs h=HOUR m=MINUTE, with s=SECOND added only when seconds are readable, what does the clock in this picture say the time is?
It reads h=7 m=50
